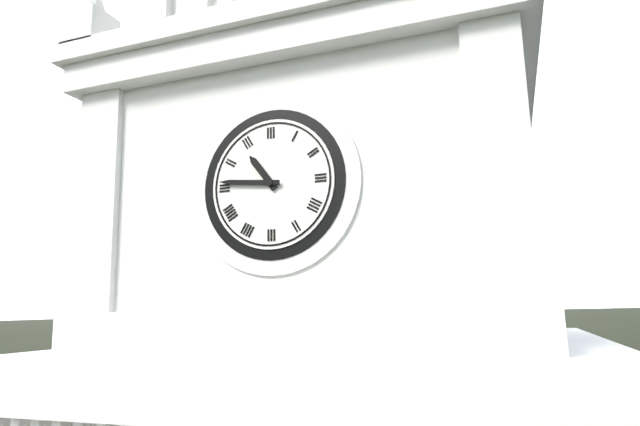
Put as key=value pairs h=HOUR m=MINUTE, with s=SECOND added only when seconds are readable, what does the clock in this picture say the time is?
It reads h=10 m=46
